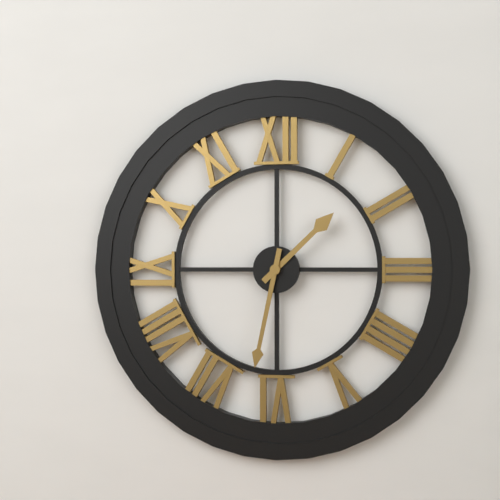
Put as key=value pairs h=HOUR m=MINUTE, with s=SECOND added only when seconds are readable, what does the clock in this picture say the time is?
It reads h=1 m=32
